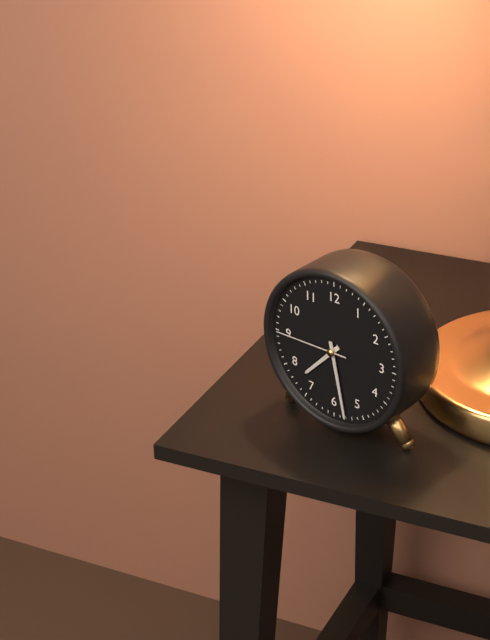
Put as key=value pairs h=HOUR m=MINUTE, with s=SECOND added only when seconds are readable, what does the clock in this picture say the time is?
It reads h=7 m=28 s=45
